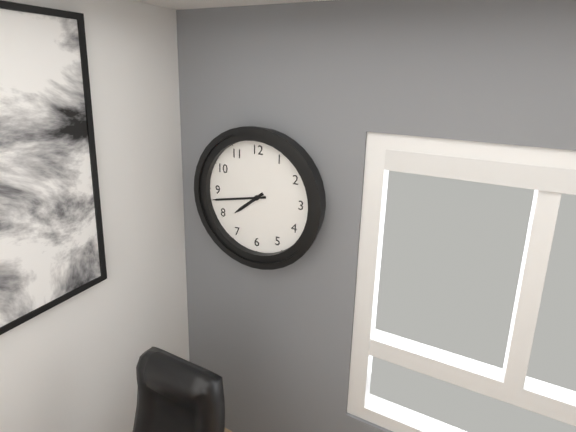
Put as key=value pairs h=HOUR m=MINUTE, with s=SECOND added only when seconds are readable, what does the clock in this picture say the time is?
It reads h=7 m=43
